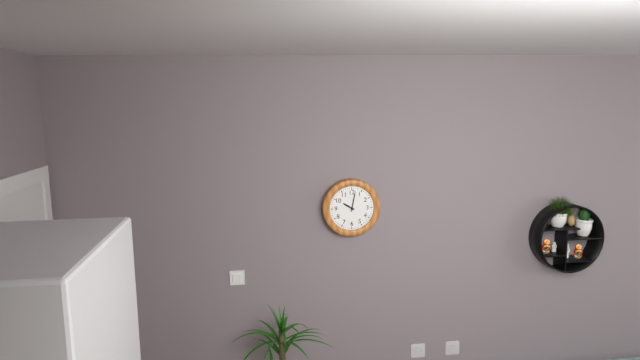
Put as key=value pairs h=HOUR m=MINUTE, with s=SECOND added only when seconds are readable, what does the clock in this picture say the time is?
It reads h=10 m=2
